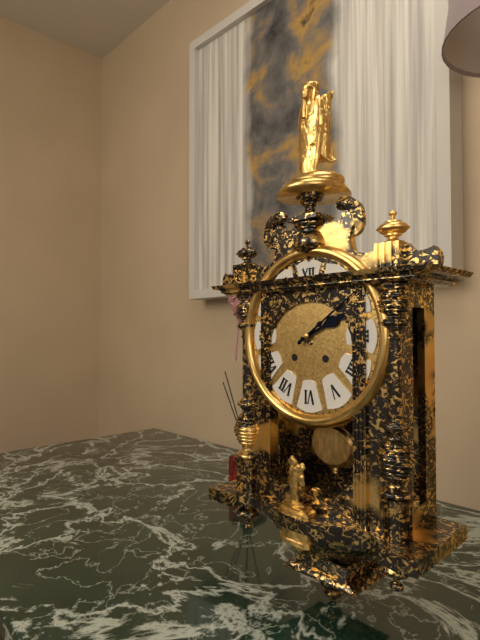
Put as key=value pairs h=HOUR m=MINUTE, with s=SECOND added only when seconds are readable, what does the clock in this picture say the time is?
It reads h=2 m=9
